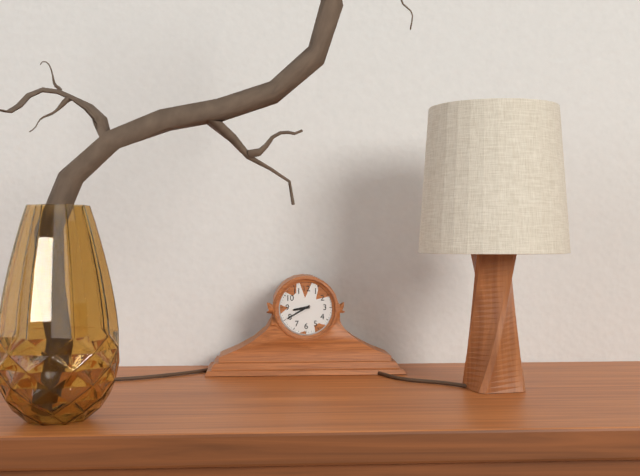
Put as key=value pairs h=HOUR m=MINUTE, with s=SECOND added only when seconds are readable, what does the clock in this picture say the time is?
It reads h=8 m=40
